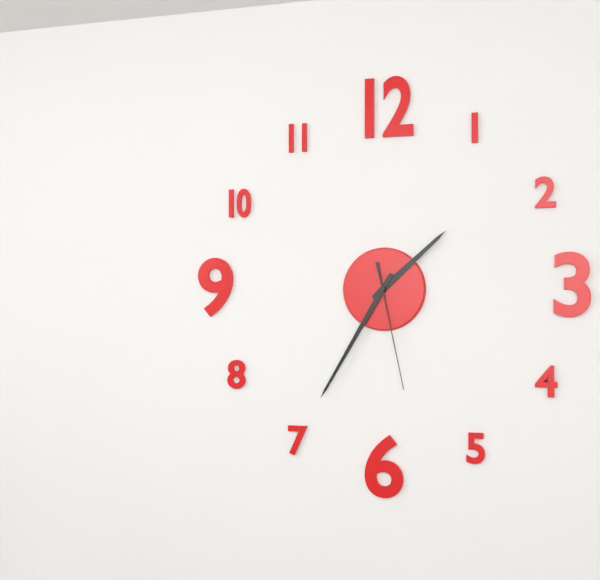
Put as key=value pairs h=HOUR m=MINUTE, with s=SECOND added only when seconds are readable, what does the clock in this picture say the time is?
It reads h=1 m=35 s=28
